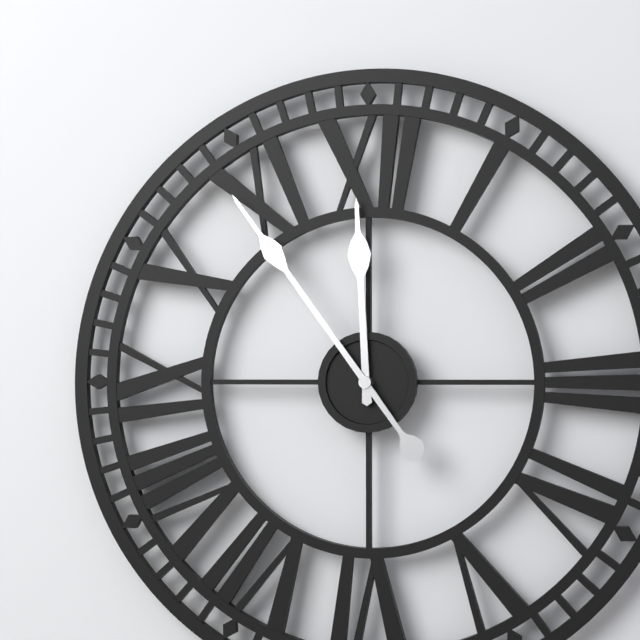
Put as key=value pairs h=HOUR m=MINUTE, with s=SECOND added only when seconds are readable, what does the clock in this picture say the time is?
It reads h=11 m=54
